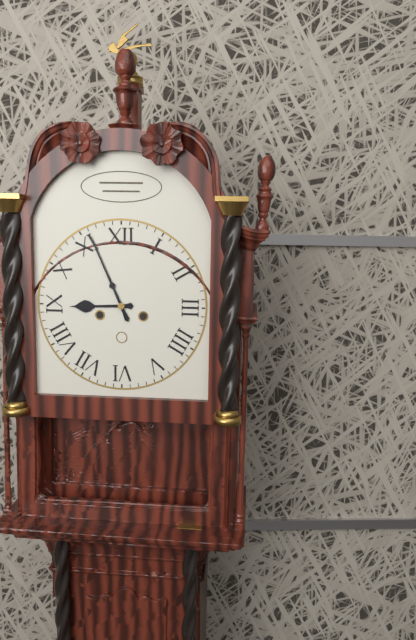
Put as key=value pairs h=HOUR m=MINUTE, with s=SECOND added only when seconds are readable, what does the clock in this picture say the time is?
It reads h=8 m=56
